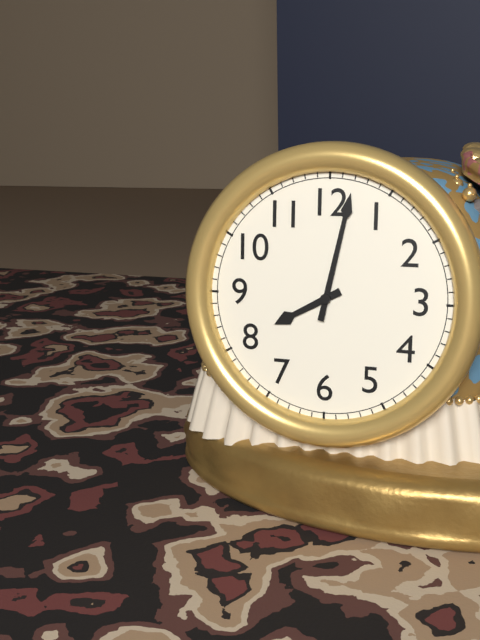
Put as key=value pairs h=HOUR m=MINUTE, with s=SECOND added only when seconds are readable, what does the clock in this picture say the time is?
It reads h=8 m=2
